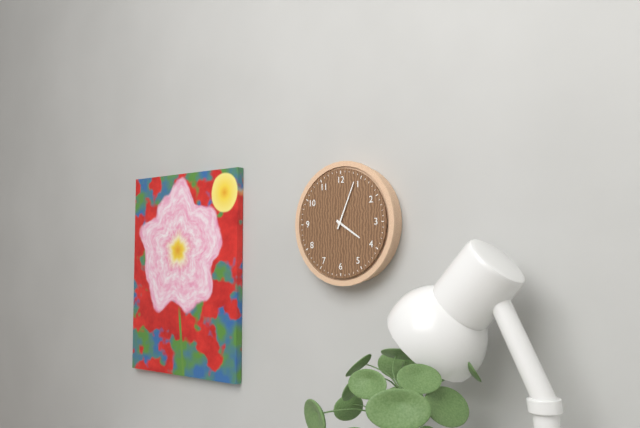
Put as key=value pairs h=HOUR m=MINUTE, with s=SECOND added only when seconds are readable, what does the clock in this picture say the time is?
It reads h=4 m=4
